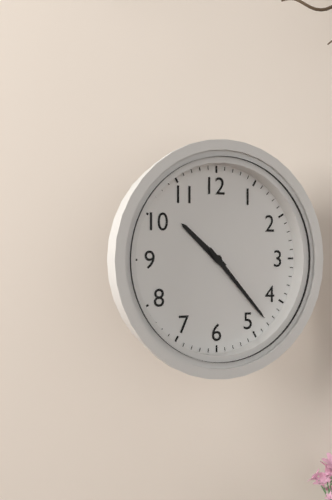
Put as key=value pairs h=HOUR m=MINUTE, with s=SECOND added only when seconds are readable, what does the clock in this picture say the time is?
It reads h=10 m=23
